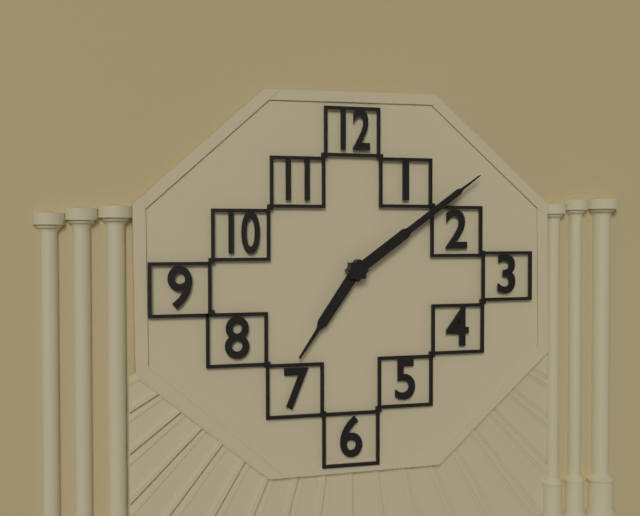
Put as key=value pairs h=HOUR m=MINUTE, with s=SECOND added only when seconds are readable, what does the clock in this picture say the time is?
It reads h=7 m=9
